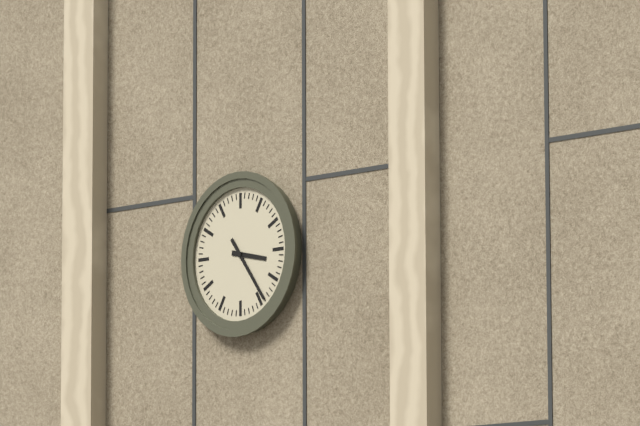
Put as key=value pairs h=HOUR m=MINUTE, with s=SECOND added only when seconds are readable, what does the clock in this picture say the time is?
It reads h=3 m=24
